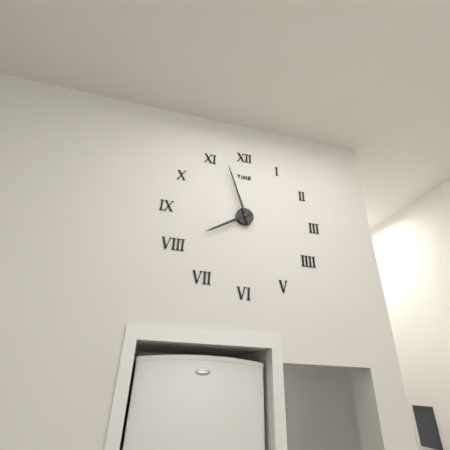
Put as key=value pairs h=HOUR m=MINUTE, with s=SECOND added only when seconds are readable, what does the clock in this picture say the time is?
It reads h=7 m=57
